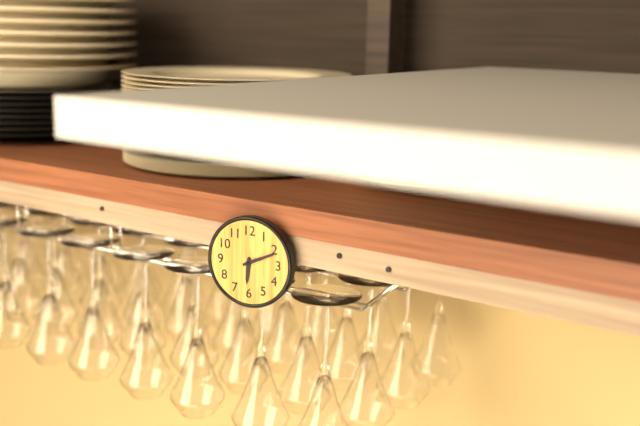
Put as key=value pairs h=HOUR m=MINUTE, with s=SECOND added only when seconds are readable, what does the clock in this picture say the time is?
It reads h=6 m=11
